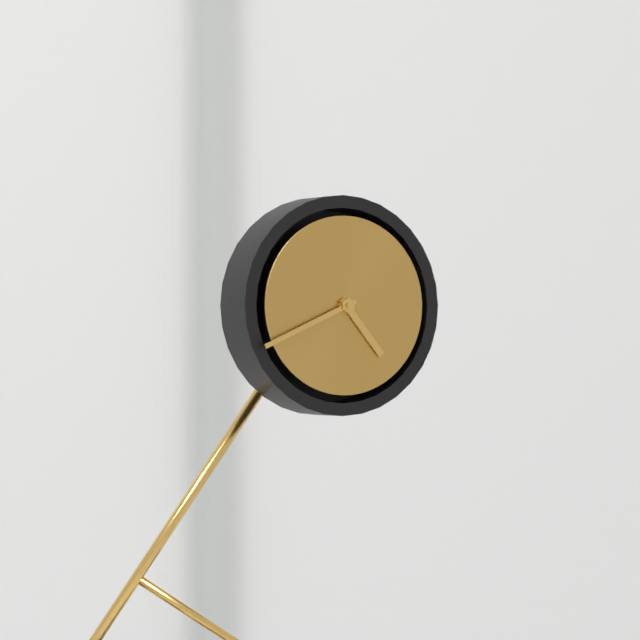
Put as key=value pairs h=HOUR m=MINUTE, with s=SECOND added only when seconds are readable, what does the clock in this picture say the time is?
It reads h=4 m=41
